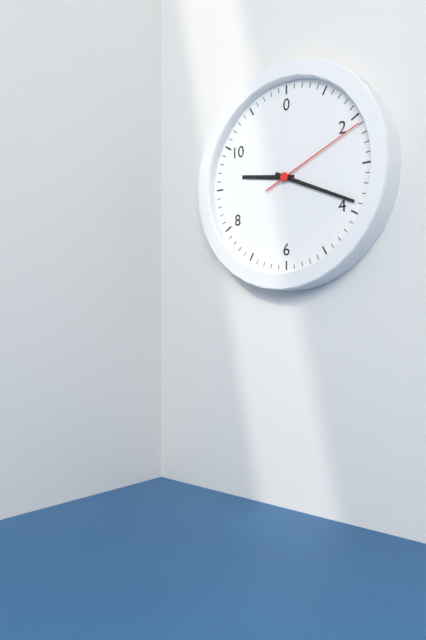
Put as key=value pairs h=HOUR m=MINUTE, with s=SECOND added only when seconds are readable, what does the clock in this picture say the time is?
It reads h=9 m=19 s=11
